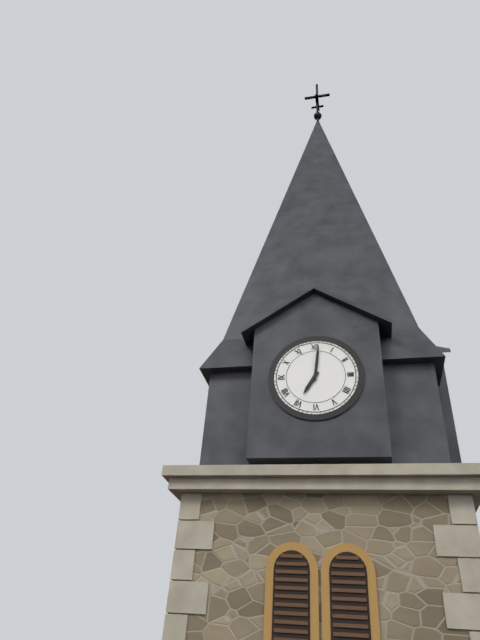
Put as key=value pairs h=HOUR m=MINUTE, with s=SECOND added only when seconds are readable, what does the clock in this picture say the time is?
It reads h=7 m=1
